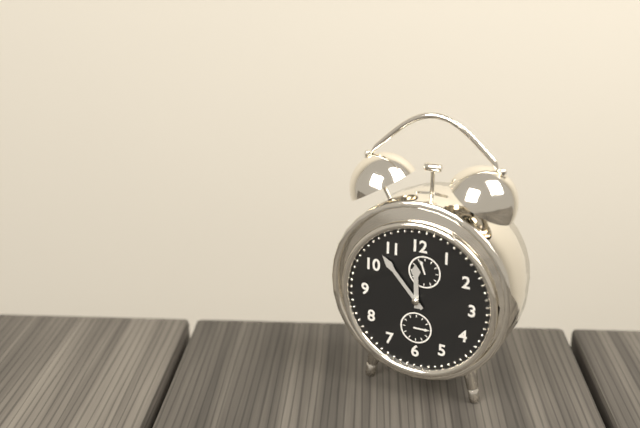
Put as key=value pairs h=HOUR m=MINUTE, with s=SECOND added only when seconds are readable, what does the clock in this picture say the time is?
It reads h=11 m=53
